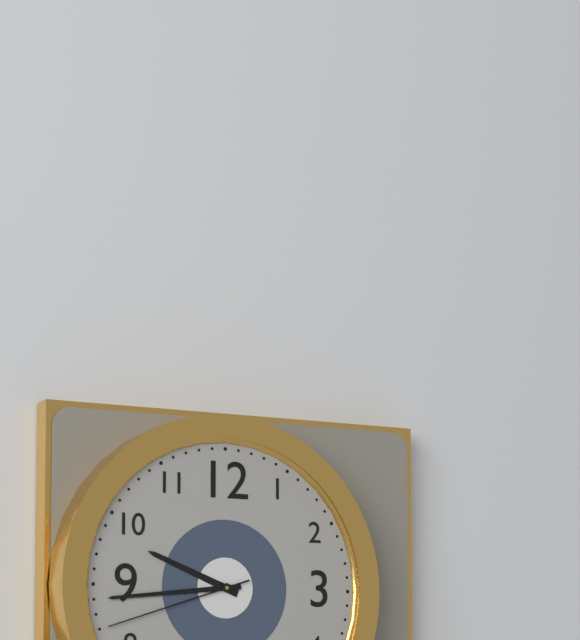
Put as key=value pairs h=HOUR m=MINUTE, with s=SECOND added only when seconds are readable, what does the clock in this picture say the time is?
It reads h=9 m=44 s=42
